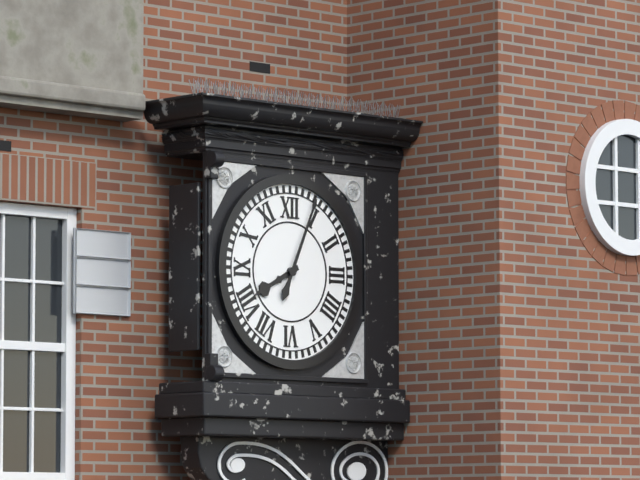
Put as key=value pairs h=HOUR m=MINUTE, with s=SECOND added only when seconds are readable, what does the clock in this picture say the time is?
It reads h=8 m=4
